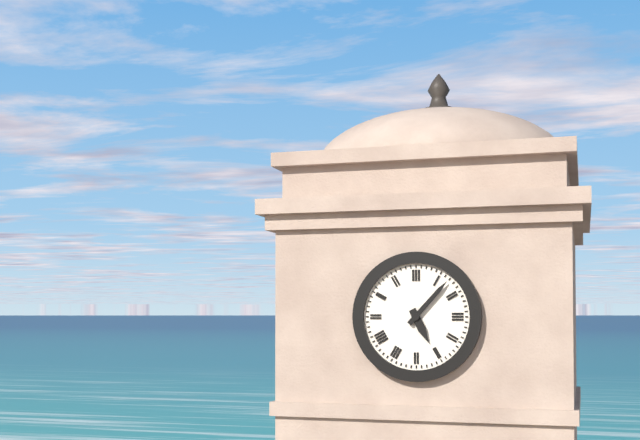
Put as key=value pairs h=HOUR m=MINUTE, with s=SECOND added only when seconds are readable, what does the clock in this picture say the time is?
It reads h=5 m=7
